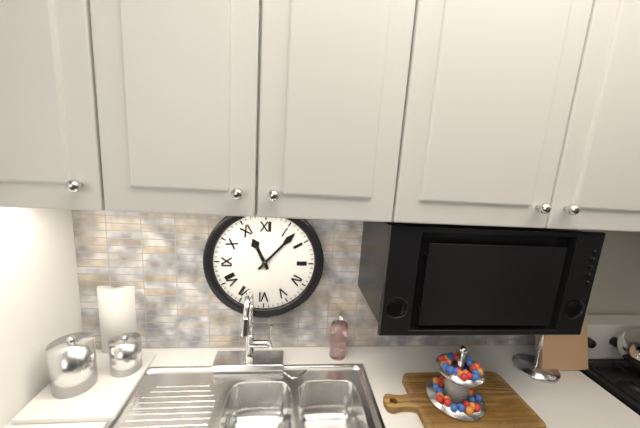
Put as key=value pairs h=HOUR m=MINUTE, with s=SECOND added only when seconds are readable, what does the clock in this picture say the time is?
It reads h=11 m=7
